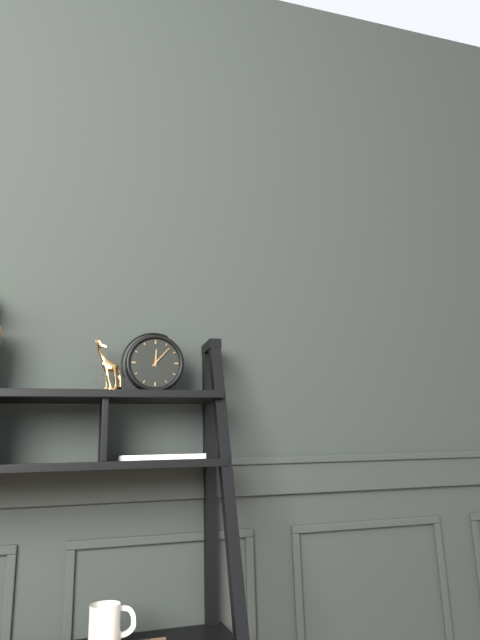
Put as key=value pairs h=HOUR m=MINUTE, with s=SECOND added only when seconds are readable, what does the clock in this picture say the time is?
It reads h=12 m=7
